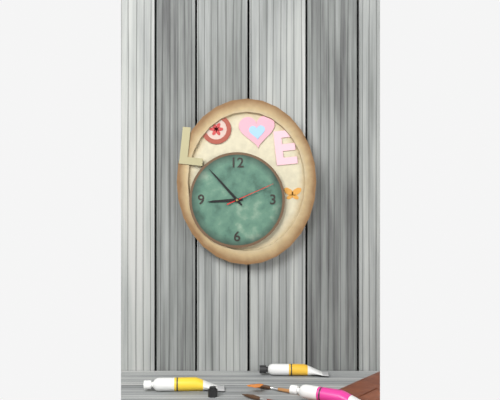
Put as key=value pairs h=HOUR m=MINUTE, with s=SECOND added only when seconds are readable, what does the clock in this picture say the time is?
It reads h=8 m=53 s=11
